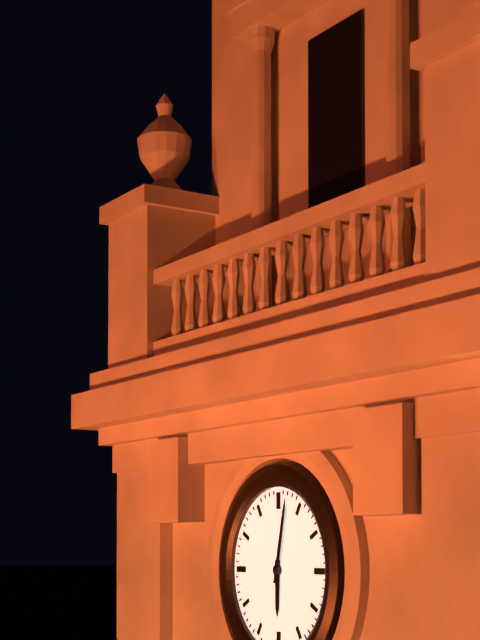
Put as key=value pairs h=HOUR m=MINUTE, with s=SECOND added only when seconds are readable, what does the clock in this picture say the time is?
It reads h=6 m=2
